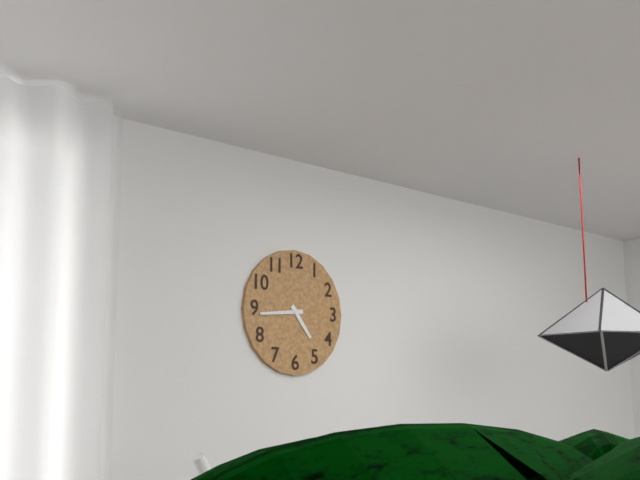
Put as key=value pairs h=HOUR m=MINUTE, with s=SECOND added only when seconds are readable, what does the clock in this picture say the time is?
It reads h=4 m=44
